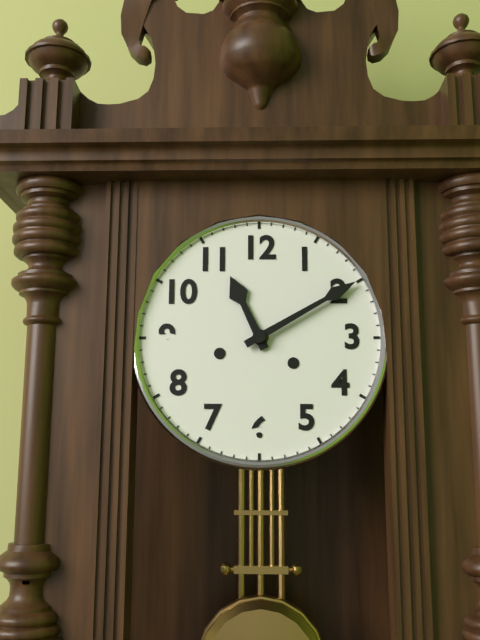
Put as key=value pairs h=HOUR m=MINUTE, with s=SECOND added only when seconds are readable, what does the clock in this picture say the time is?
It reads h=11 m=10
